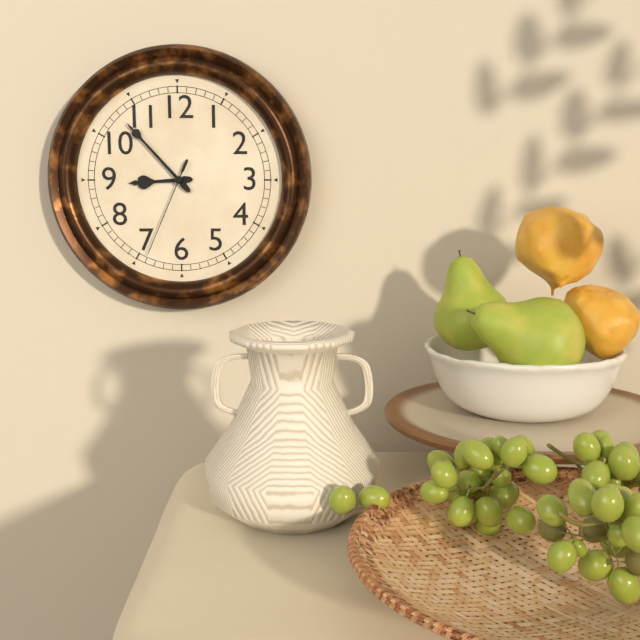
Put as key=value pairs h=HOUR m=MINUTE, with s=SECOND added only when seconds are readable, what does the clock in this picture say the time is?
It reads h=8 m=53 s=34
